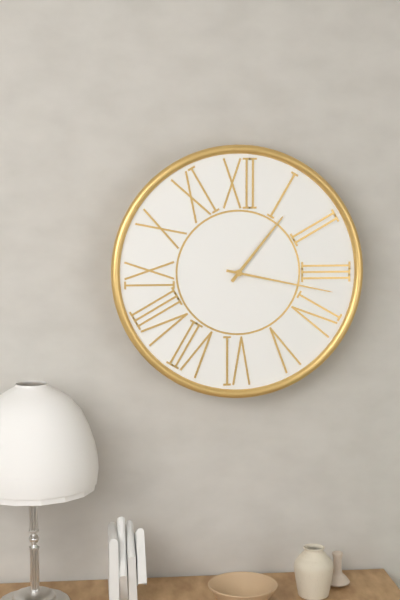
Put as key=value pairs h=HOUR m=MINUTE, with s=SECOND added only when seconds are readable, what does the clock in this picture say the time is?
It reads h=1 m=17
